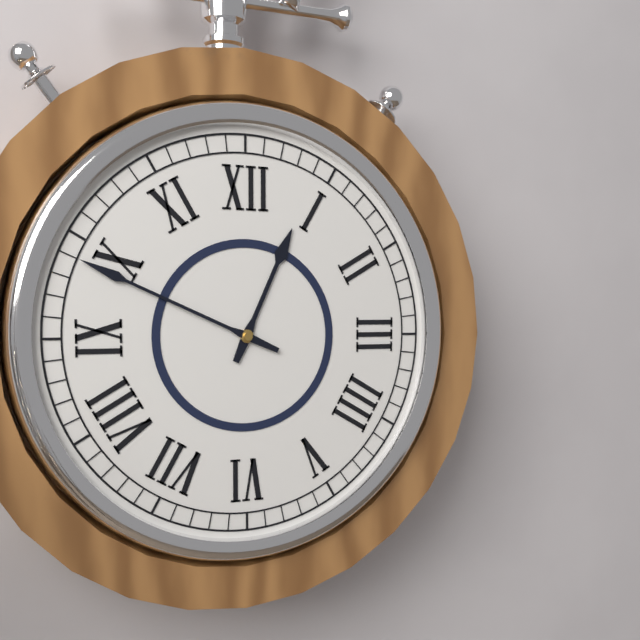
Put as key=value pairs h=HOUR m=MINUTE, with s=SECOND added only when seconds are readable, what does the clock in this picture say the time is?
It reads h=12 m=49
